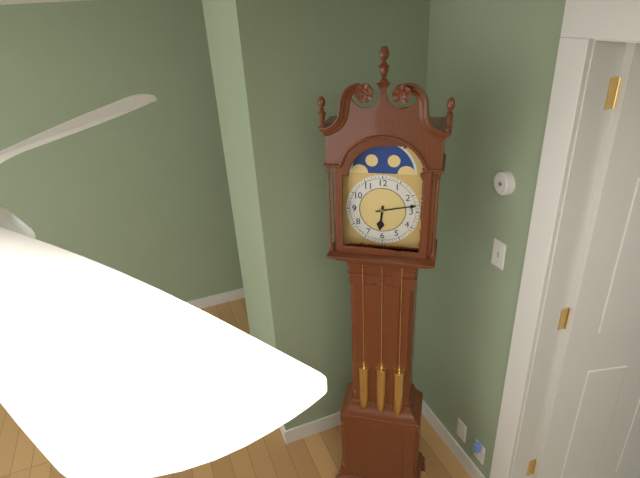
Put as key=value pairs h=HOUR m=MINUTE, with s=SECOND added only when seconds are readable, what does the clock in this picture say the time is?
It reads h=6 m=13
